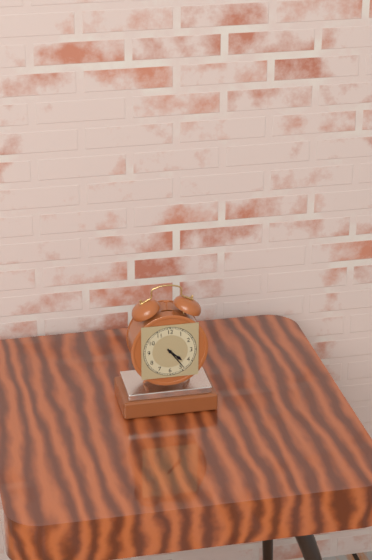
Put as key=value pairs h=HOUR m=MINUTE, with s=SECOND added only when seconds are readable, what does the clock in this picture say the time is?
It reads h=4 m=24
